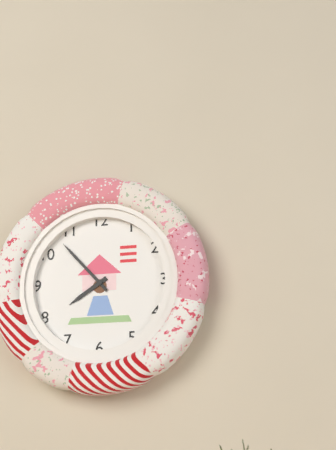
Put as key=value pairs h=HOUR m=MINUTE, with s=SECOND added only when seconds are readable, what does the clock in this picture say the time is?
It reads h=7 m=53
